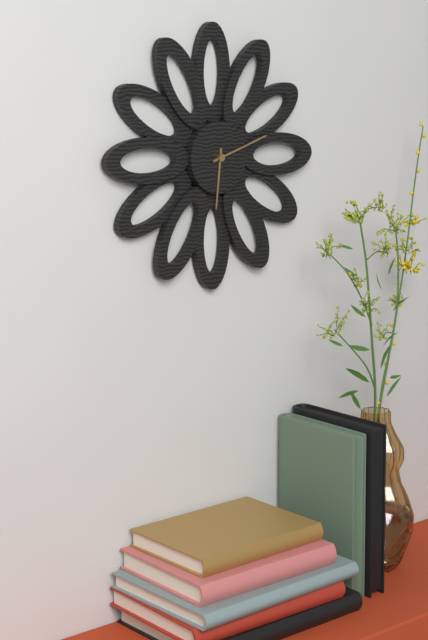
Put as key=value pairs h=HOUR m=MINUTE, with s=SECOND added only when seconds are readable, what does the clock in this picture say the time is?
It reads h=6 m=12
